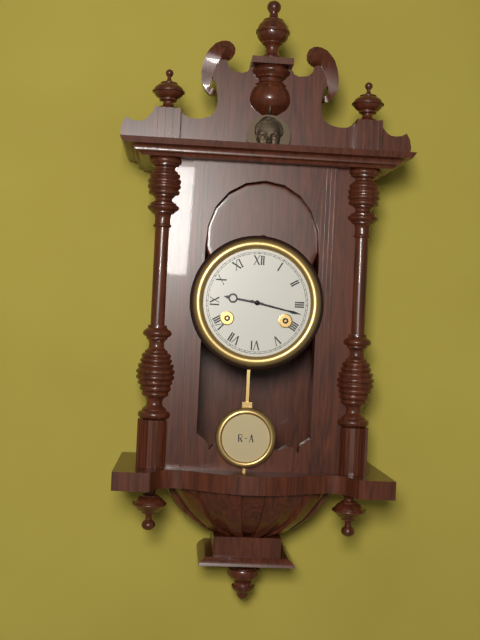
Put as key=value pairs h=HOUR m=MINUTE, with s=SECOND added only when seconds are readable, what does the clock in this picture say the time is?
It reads h=9 m=17
